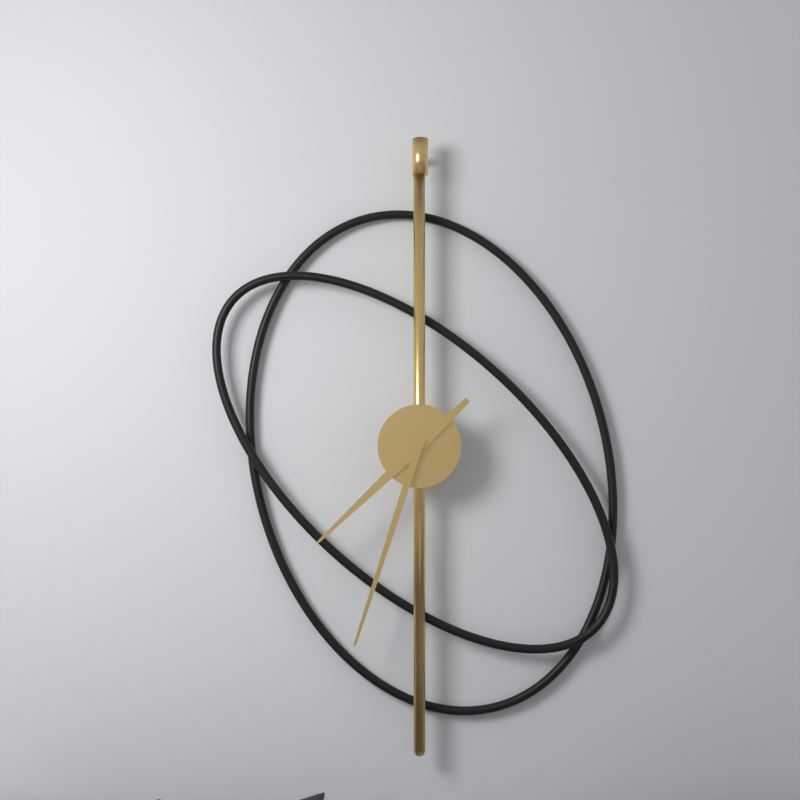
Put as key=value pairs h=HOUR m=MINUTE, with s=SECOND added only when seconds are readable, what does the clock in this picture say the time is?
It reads h=7 m=33
